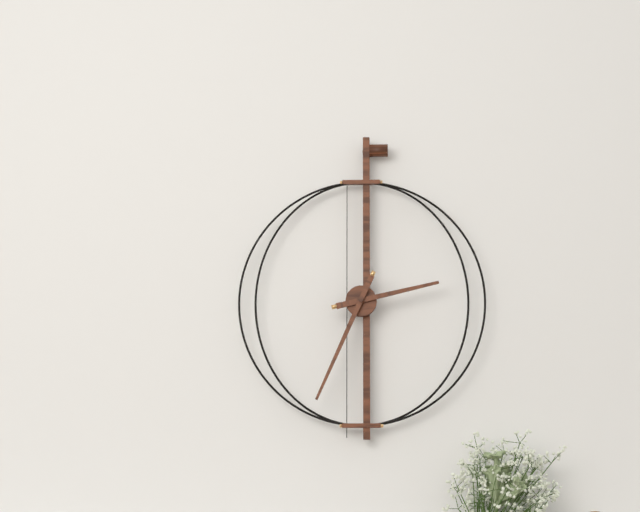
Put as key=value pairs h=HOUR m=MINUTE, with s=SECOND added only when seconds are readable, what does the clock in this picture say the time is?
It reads h=2 m=34
